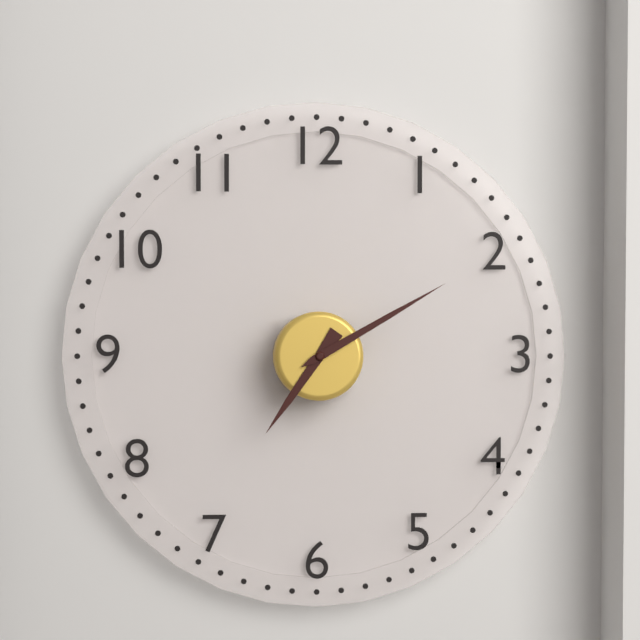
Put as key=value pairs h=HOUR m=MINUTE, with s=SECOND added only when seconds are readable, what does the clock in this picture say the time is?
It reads h=7 m=10
